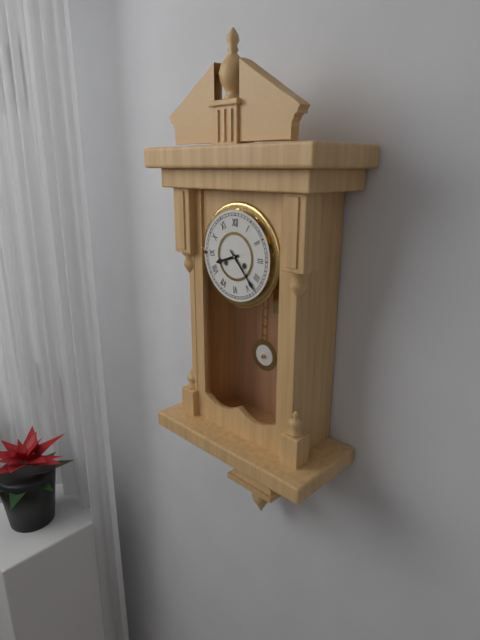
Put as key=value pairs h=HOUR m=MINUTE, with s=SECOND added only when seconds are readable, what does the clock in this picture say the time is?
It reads h=8 m=23
